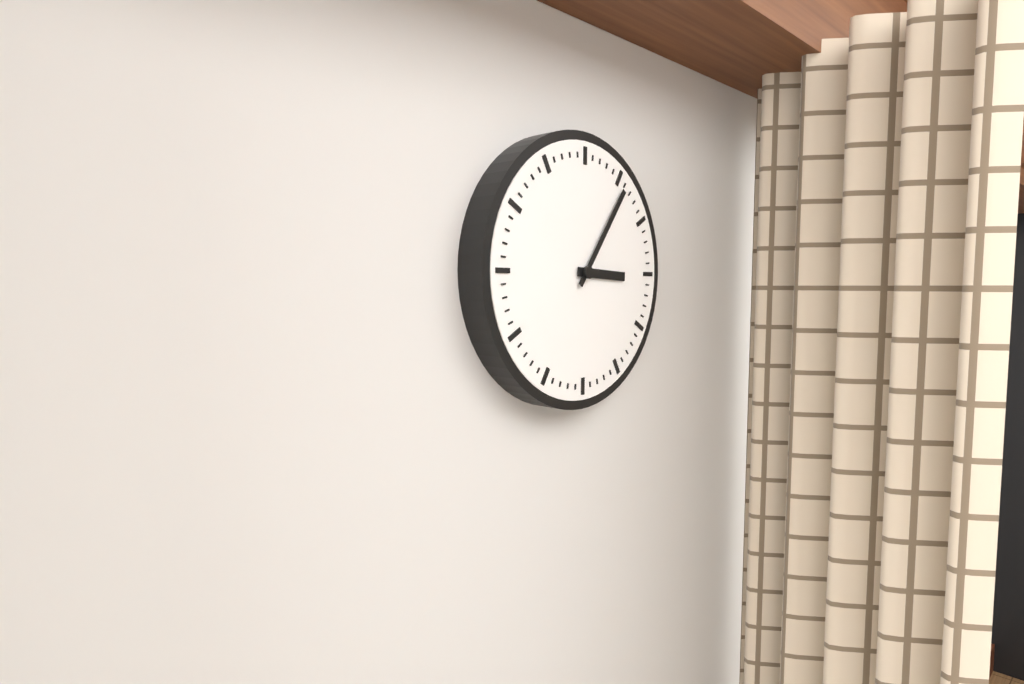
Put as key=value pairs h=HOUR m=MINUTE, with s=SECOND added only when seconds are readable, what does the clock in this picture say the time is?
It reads h=3 m=6
